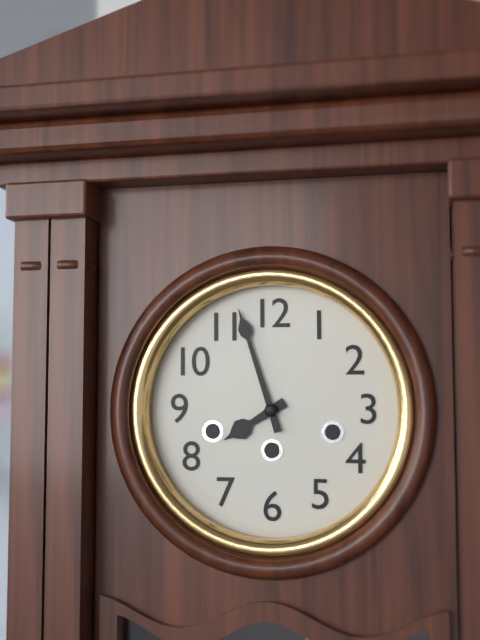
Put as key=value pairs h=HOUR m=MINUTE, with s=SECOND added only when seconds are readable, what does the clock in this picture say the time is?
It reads h=7 m=57
